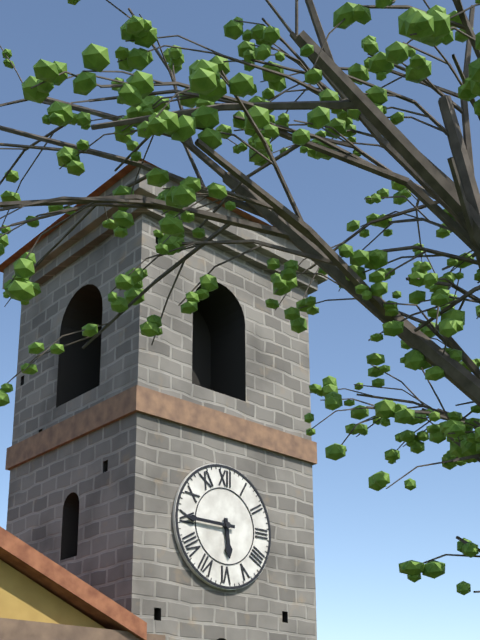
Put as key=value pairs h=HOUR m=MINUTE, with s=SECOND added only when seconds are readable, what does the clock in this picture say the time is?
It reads h=5 m=45
